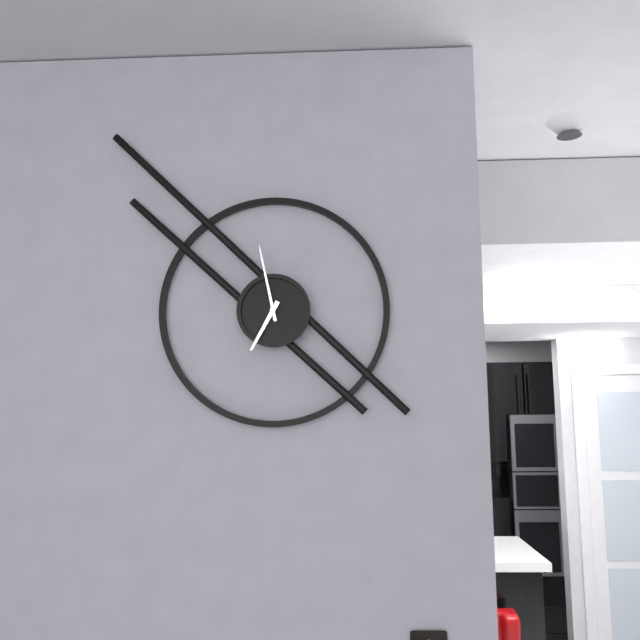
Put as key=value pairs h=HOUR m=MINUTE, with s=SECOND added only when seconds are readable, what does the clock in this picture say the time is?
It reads h=6 m=58
